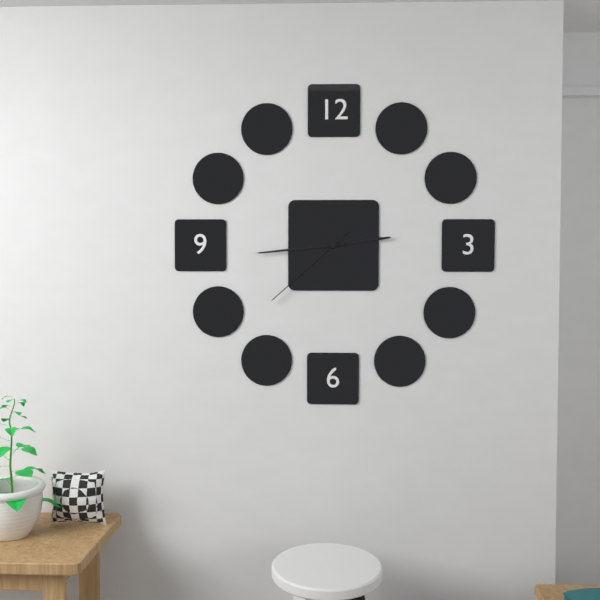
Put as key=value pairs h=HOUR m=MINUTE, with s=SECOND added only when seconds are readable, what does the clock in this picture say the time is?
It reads h=2 m=44 s=38
